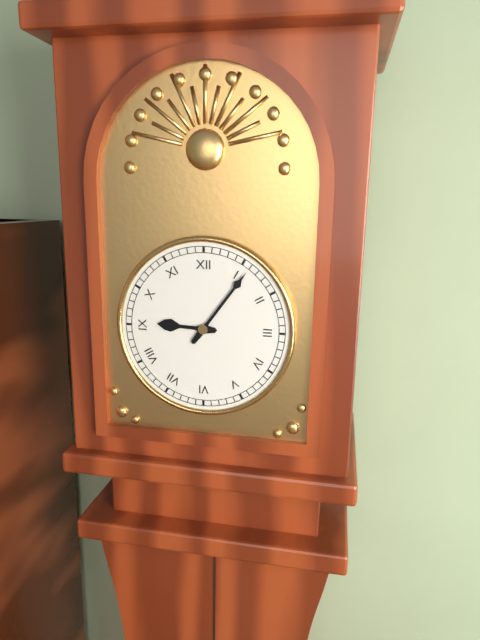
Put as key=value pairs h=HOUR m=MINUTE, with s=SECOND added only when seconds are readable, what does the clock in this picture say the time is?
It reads h=9 m=6
